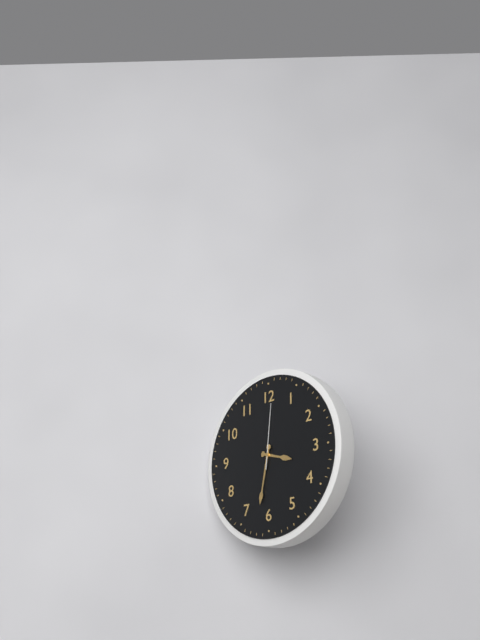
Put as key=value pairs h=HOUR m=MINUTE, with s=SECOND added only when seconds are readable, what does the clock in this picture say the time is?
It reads h=3 m=32 s=1
